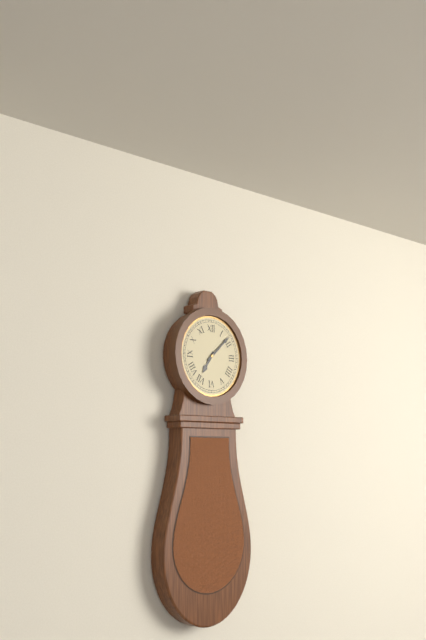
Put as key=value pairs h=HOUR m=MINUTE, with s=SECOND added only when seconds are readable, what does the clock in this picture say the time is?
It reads h=7 m=8
